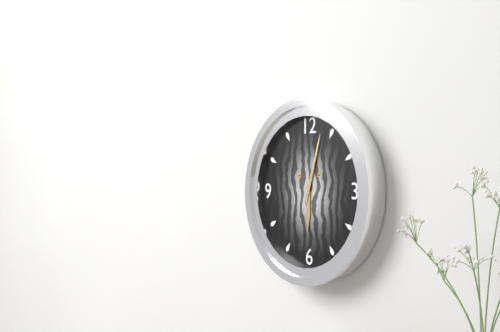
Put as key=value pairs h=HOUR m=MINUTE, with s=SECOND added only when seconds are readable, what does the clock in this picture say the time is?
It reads h=6 m=3
